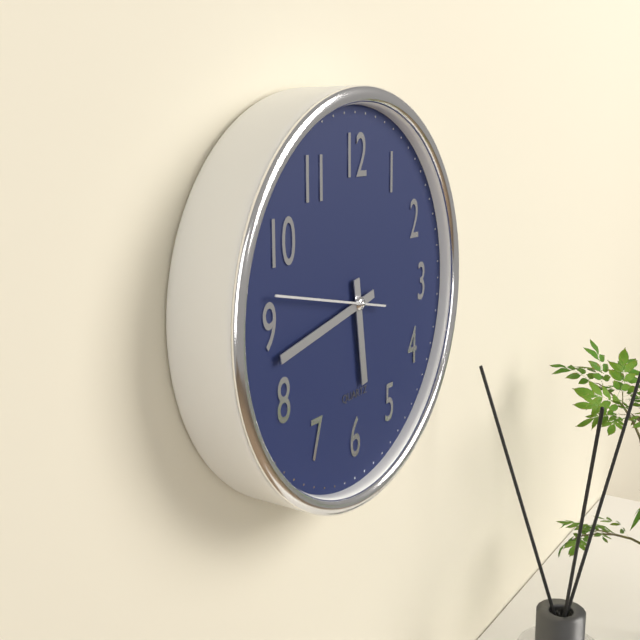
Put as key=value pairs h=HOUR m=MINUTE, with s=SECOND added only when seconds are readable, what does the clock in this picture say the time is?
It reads h=5 m=43 s=47
